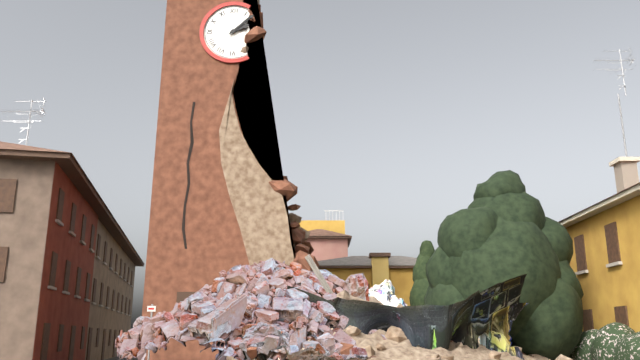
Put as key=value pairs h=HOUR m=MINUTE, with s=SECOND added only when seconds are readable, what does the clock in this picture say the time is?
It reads h=2 m=8
